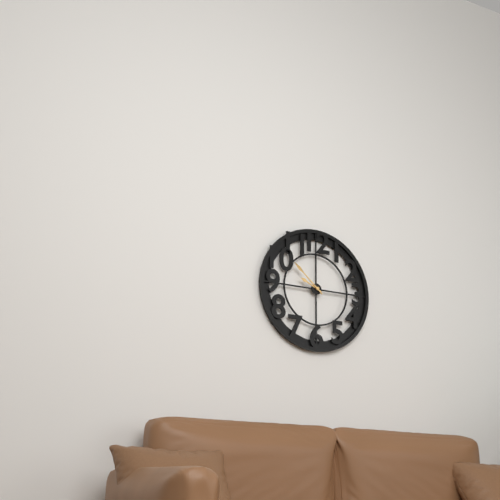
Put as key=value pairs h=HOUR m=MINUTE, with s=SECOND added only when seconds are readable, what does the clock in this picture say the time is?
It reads h=9 m=52
